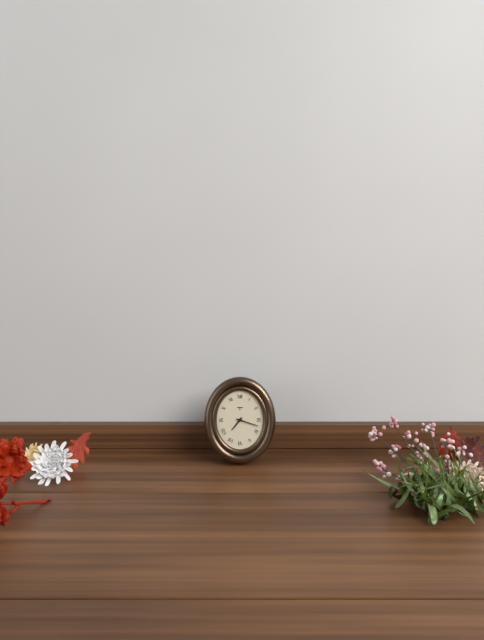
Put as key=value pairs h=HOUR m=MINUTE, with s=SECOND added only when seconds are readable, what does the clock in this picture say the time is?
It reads h=7 m=18
